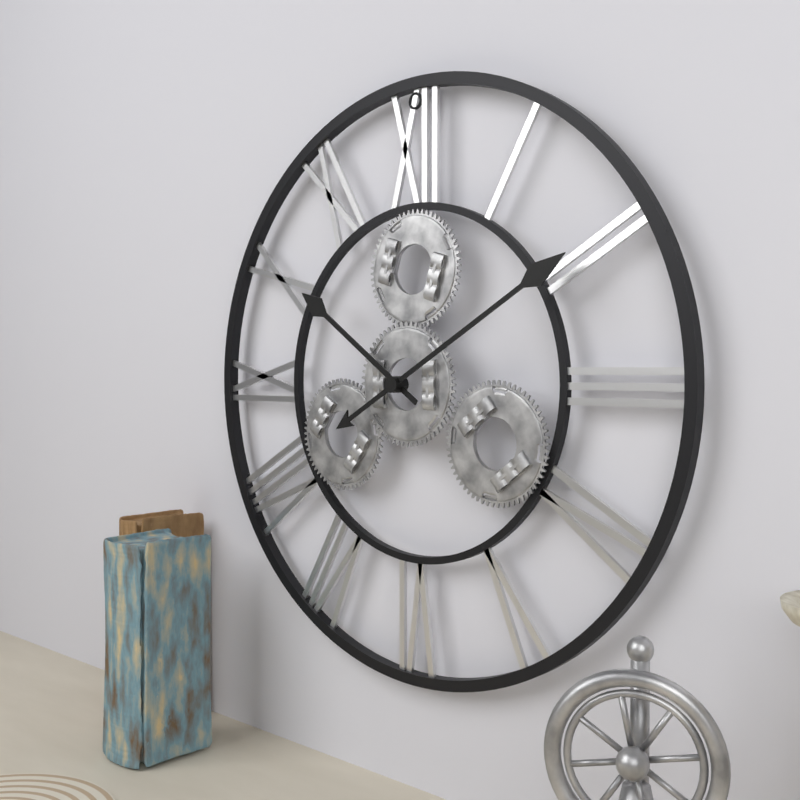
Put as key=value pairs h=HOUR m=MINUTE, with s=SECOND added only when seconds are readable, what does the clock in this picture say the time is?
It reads h=10 m=10
